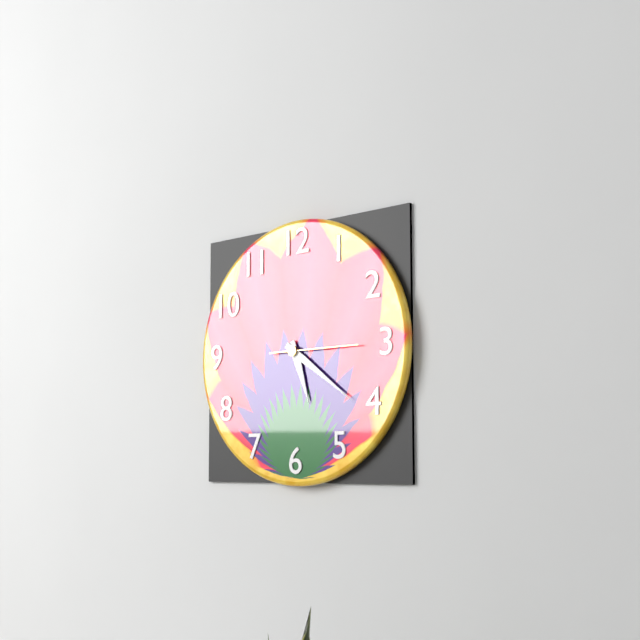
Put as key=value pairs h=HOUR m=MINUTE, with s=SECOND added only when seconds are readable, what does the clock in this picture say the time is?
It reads h=5 m=21 s=15
